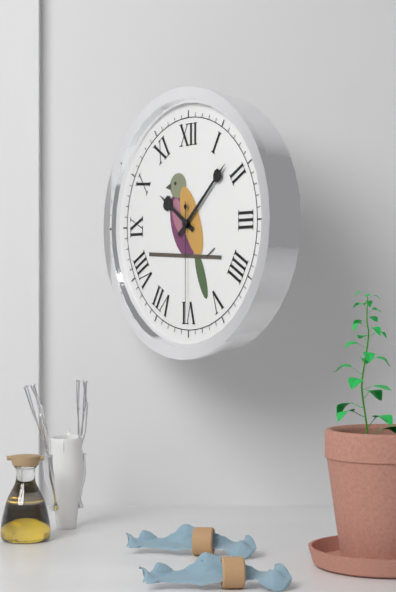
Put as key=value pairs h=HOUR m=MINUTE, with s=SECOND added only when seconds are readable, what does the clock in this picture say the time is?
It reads h=10 m=8 s=30
